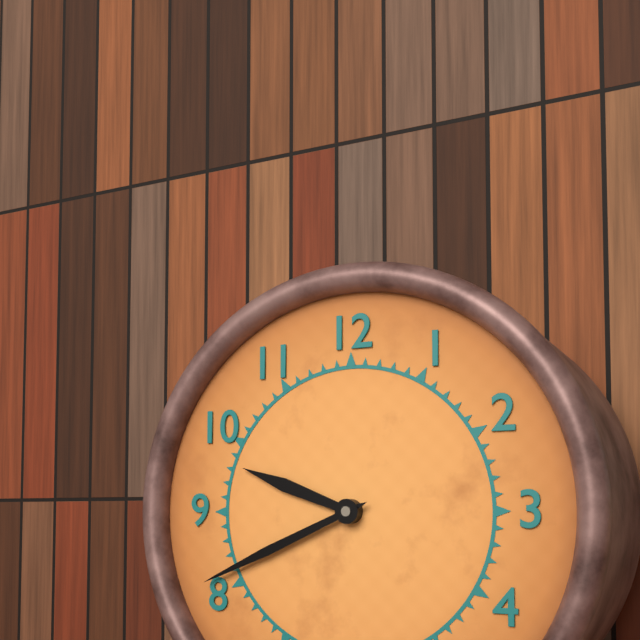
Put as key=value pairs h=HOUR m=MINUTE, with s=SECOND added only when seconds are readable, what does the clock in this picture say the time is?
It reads h=9 m=41
